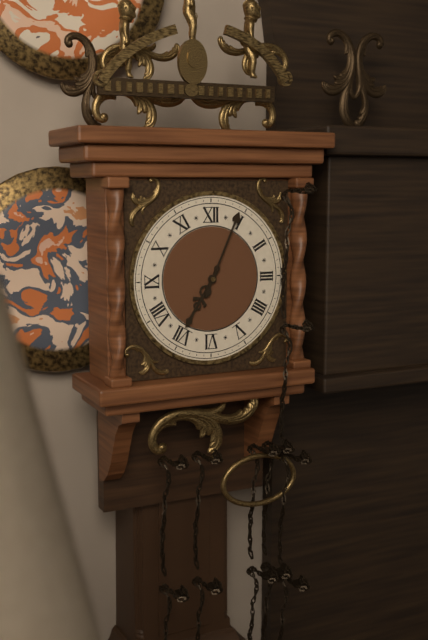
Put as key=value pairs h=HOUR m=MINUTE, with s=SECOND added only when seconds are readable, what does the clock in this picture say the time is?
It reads h=7 m=4
